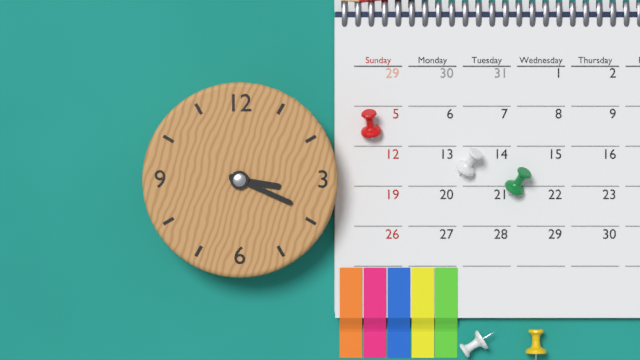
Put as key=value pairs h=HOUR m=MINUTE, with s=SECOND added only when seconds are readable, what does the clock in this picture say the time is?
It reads h=3 m=19
